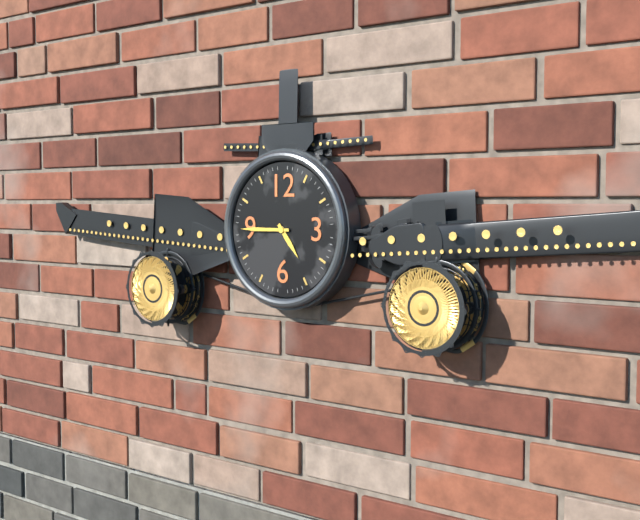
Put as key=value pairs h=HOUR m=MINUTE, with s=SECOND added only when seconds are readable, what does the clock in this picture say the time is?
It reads h=4 m=45
